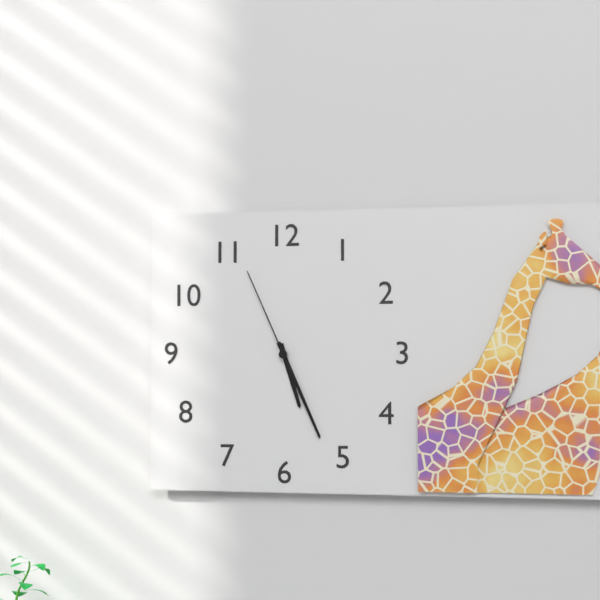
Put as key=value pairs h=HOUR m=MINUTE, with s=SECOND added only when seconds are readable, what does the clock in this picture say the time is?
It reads h=5 m=26 s=56
